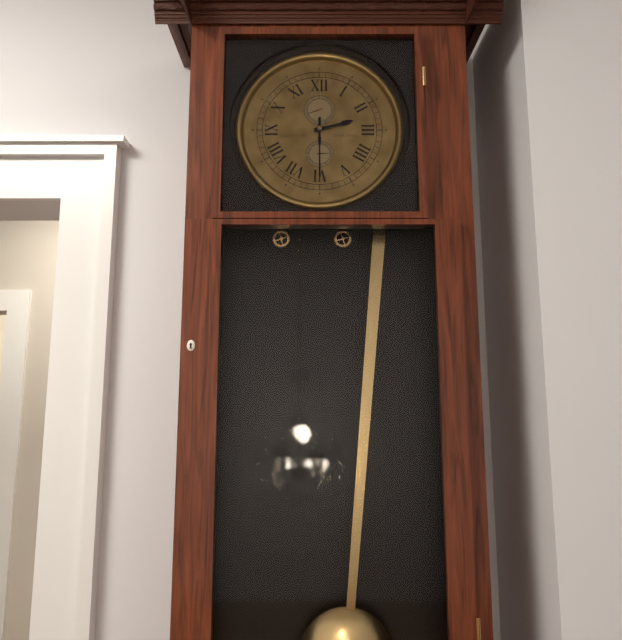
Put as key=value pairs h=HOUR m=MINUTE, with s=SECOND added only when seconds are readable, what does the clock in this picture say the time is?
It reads h=2 m=30
